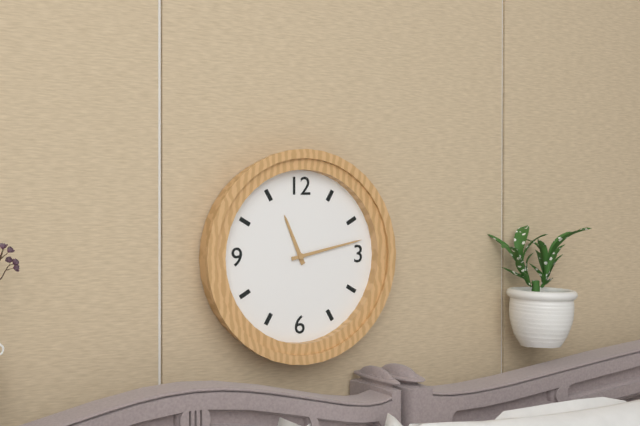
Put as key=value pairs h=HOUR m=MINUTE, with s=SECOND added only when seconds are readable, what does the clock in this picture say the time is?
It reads h=11 m=13
